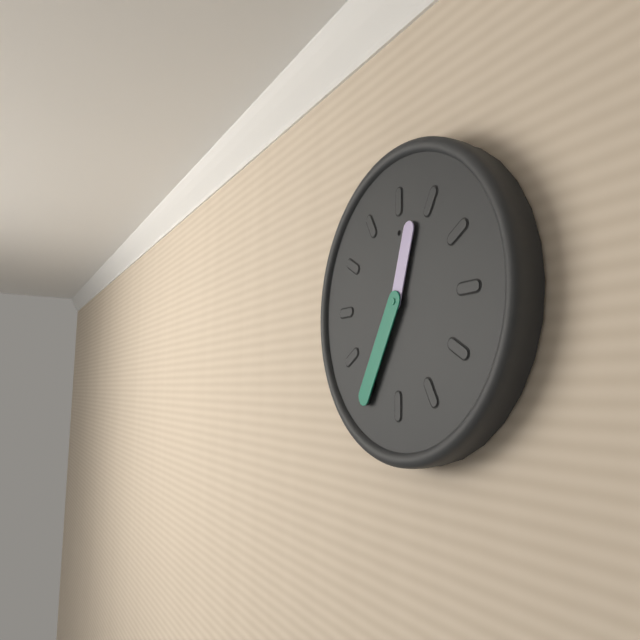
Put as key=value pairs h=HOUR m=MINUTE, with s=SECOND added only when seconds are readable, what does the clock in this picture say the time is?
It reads h=12 m=35
